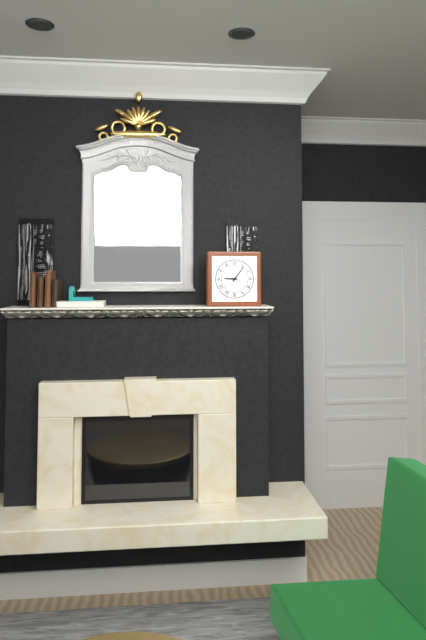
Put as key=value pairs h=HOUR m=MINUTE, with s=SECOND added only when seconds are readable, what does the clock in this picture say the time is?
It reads h=9 m=6
